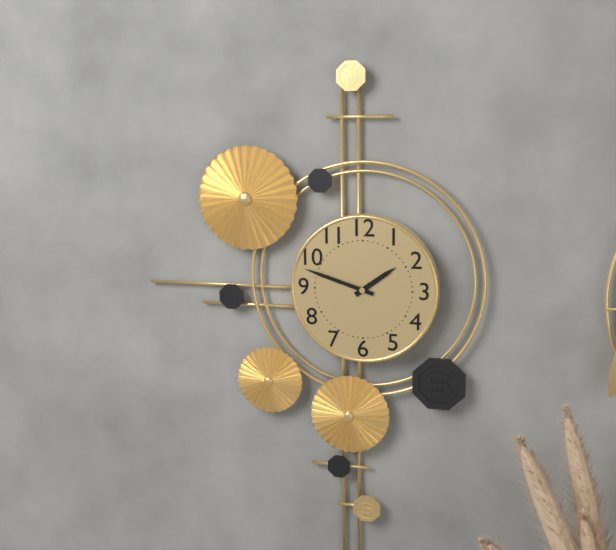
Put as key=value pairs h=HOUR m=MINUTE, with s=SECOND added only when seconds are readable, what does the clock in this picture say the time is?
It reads h=1 m=48
